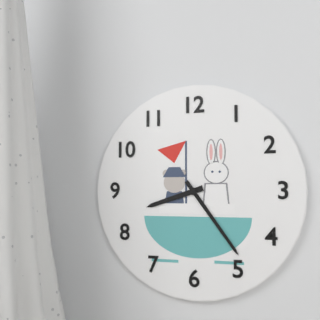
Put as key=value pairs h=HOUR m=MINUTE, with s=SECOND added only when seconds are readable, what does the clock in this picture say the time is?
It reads h=8 m=24
